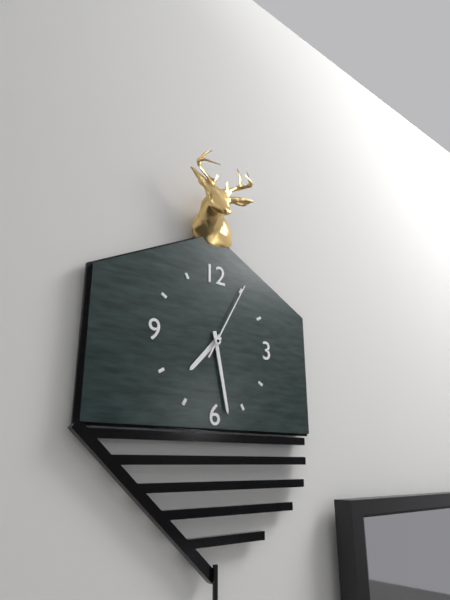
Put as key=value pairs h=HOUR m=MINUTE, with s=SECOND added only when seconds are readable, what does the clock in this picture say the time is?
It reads h=7 m=28 s=5
